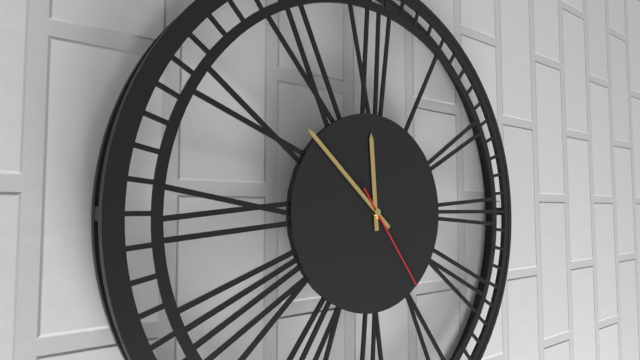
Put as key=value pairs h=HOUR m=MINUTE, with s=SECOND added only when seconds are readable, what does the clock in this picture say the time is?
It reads h=11 m=52 s=24
